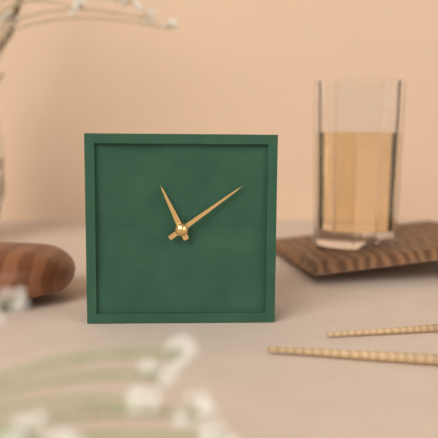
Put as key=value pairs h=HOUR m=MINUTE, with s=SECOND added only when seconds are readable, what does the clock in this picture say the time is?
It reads h=11 m=9
